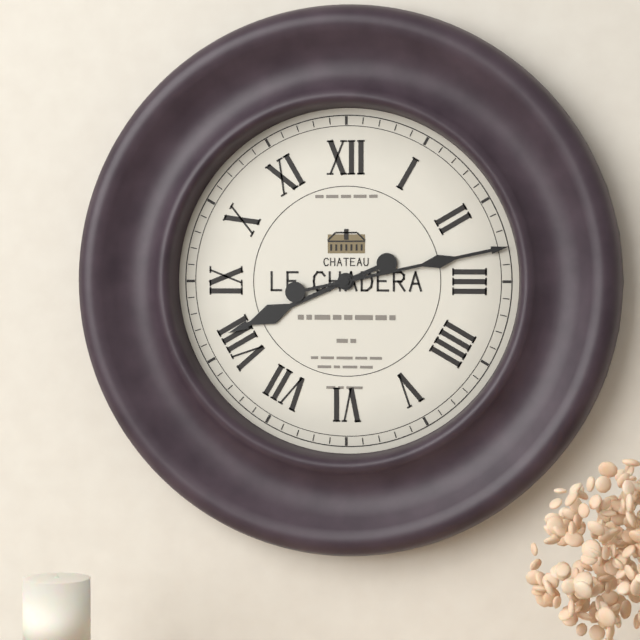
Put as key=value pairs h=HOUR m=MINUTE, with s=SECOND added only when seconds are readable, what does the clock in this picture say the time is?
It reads h=8 m=13
